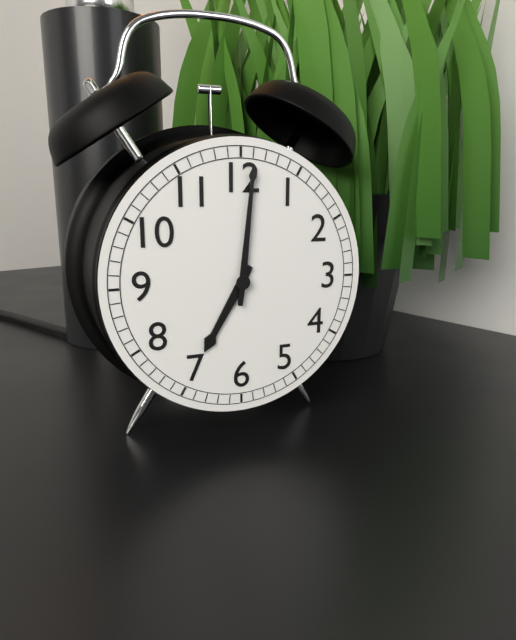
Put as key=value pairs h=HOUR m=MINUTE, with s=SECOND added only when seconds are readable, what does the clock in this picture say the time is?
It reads h=7 m=1
